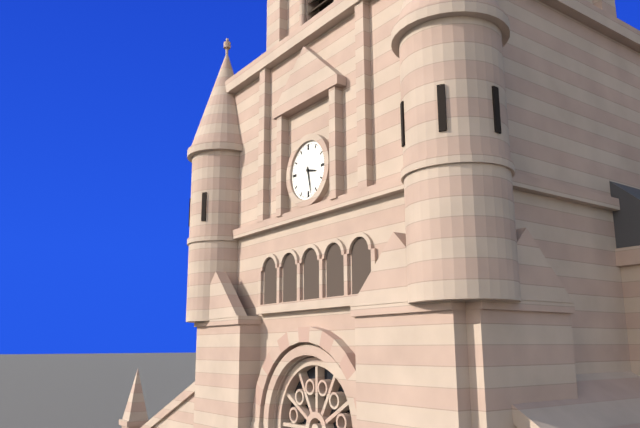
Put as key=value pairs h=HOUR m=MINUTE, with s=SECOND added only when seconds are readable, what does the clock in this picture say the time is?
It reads h=3 m=28
